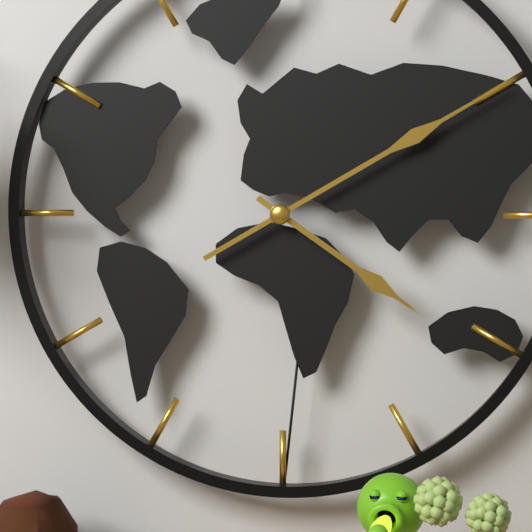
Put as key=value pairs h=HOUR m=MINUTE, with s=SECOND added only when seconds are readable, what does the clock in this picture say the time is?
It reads h=4 m=10
